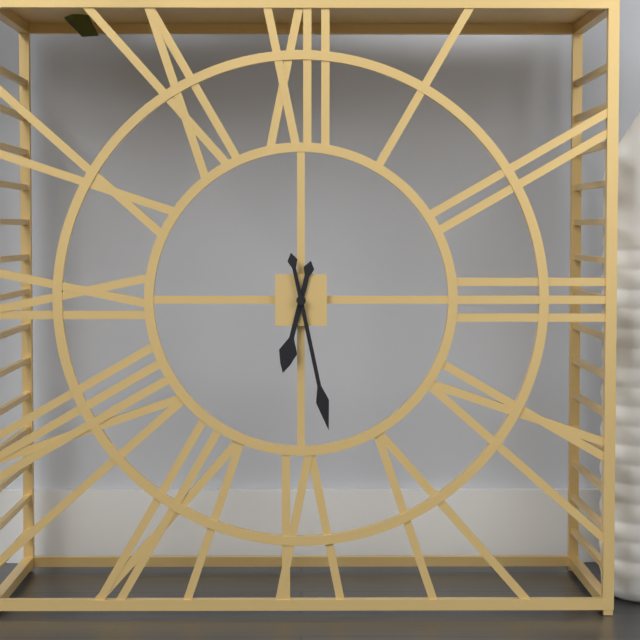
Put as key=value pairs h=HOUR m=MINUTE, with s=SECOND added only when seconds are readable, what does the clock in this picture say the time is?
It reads h=6 m=28
